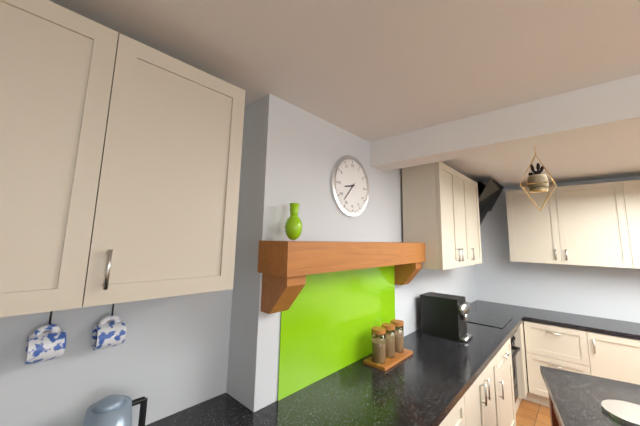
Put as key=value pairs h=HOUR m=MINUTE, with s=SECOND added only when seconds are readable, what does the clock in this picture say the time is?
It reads h=8 m=37
